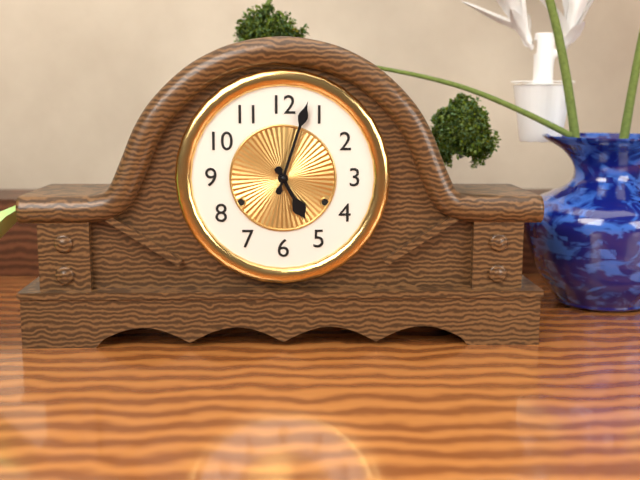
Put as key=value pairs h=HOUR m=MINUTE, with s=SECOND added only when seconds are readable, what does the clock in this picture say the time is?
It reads h=5 m=3
